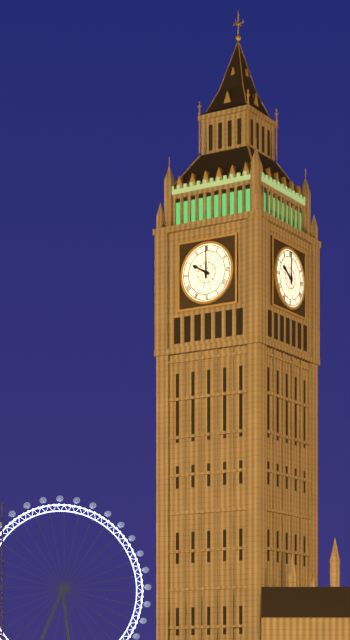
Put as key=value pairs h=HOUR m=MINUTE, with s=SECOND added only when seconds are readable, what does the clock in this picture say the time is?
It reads h=10 m=0
